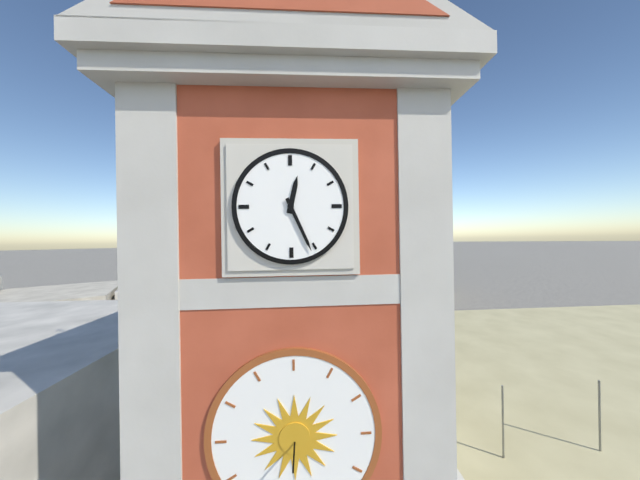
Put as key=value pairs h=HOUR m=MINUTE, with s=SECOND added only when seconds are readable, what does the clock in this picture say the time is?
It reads h=12 m=26
